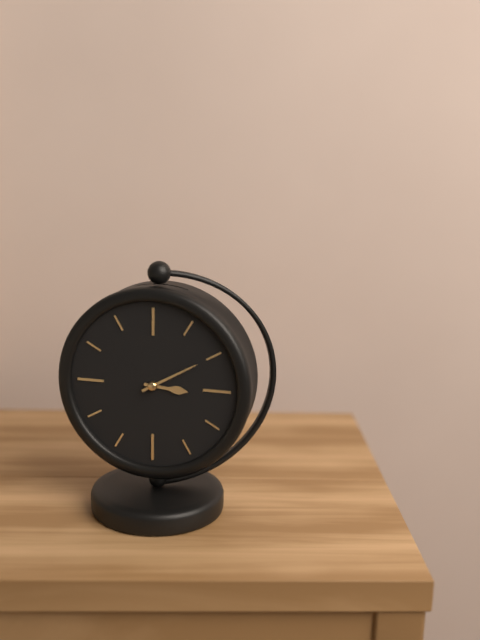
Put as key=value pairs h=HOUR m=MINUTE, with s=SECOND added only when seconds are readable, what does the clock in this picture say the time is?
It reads h=3 m=10
